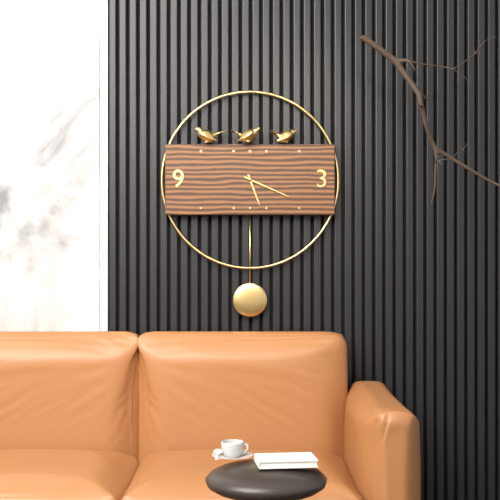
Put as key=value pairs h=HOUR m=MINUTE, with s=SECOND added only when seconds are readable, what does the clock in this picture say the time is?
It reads h=5 m=19
